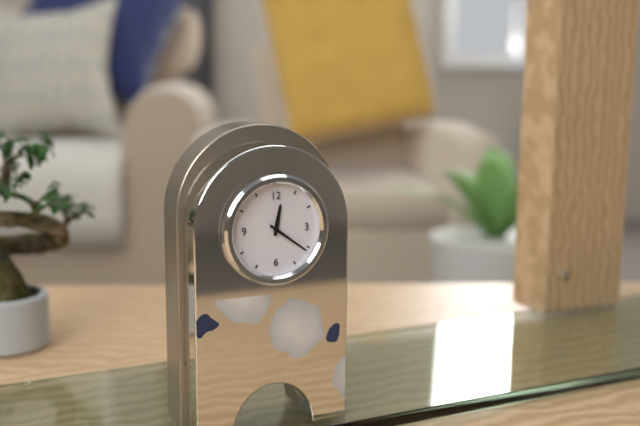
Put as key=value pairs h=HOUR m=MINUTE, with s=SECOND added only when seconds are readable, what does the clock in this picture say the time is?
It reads h=12 m=21
